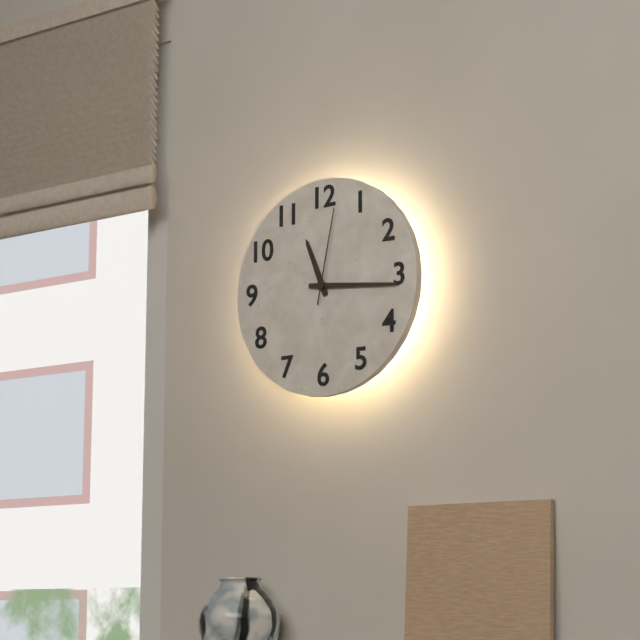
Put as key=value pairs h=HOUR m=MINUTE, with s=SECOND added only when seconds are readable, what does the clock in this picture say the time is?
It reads h=11 m=16 s=2
